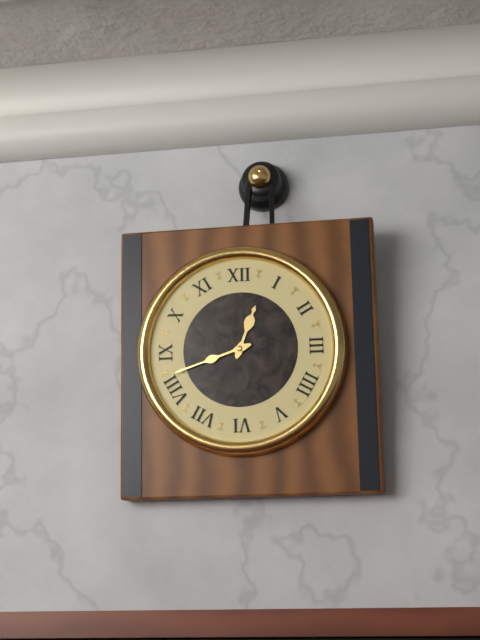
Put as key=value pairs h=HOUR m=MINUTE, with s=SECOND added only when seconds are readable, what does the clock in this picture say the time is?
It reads h=12 m=42
